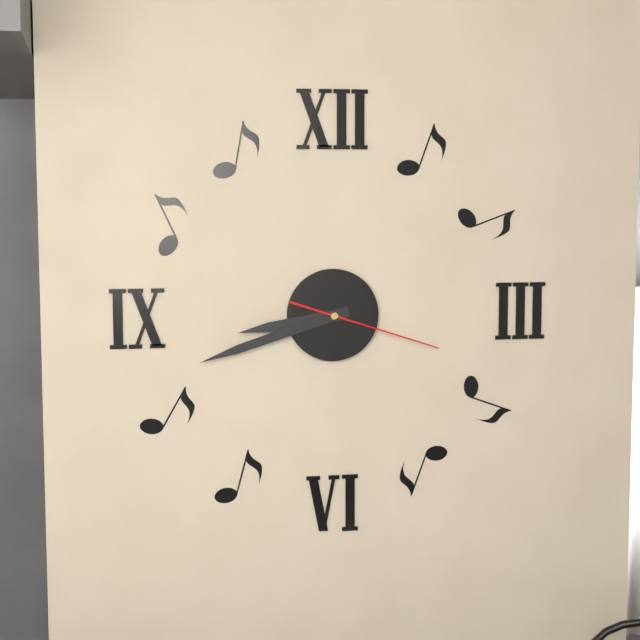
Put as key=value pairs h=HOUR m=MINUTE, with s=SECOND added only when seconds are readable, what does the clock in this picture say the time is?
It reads h=8 m=42 s=18
